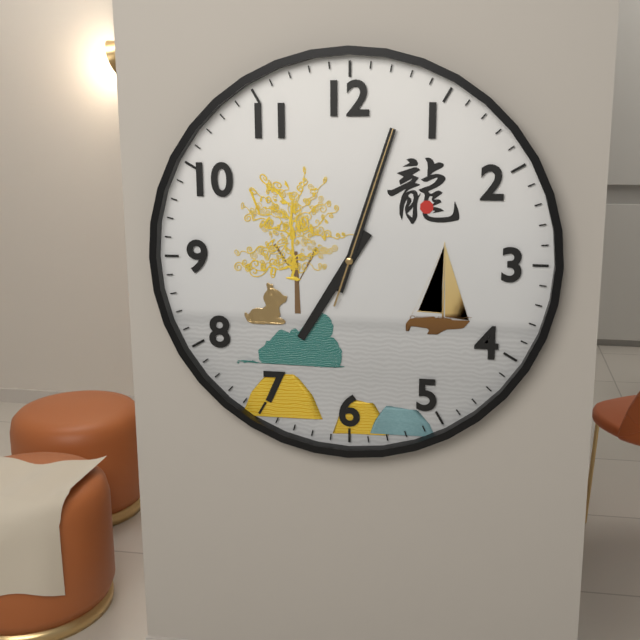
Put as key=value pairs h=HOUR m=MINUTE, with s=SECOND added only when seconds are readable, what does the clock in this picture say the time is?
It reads h=7 m=3 s=3
